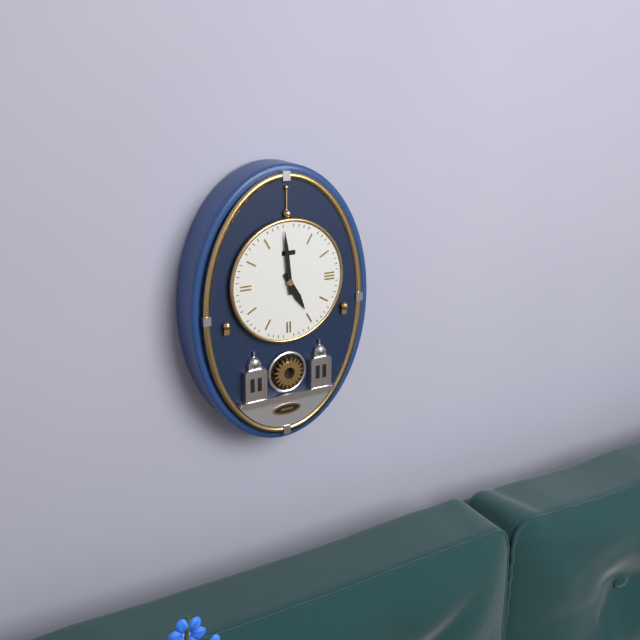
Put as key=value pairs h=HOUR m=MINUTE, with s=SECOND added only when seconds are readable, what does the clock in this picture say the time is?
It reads h=4 m=59
